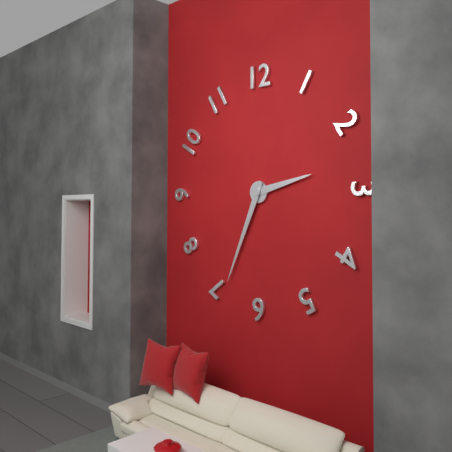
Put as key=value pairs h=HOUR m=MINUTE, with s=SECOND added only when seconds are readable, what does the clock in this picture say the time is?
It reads h=2 m=34
